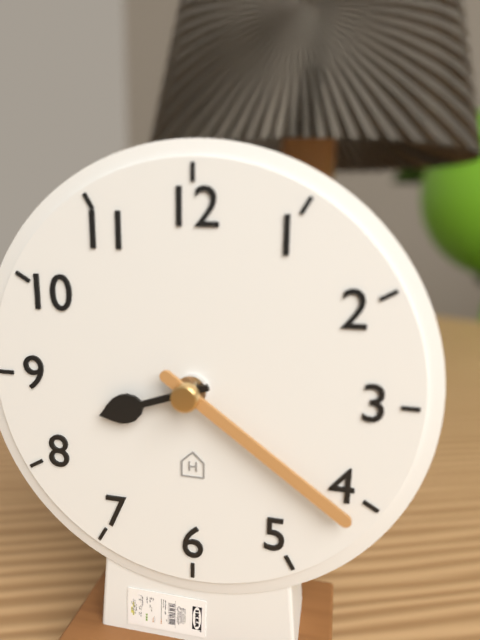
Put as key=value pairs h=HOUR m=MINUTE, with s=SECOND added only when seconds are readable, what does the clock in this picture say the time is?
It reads h=8 m=21
